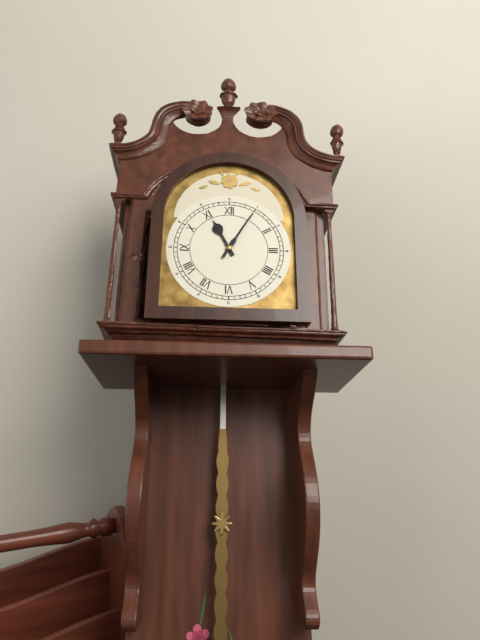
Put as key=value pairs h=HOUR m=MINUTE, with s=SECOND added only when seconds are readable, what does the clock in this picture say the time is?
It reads h=11 m=5
